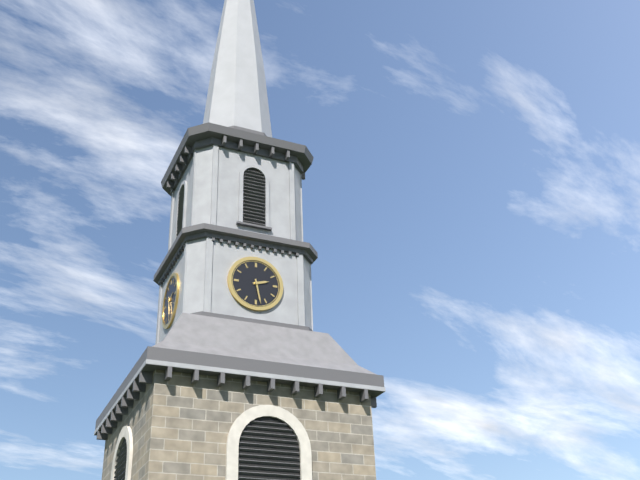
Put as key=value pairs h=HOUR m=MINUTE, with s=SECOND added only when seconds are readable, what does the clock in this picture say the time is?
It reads h=2 m=28
